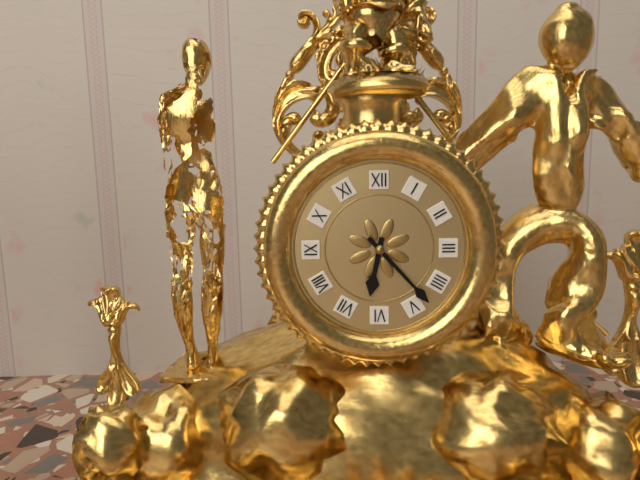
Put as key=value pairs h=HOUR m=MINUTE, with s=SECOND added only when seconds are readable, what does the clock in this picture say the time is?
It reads h=6 m=23
